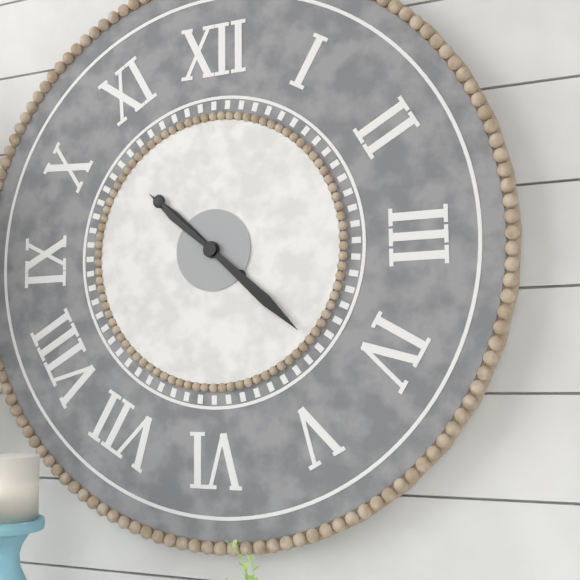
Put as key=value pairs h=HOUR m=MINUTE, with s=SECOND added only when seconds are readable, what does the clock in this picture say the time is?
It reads h=10 m=22
